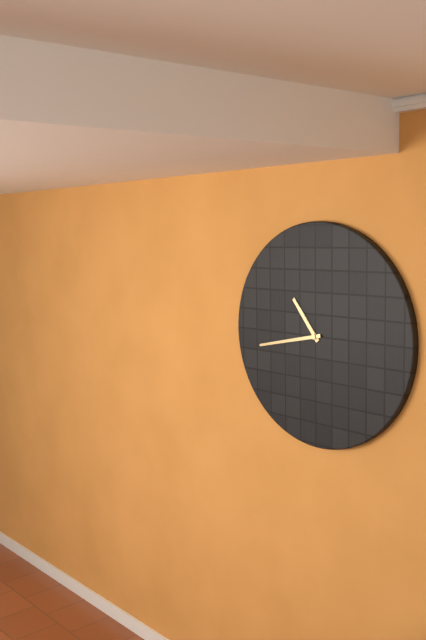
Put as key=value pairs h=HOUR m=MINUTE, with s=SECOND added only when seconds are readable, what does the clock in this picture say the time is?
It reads h=10 m=43
